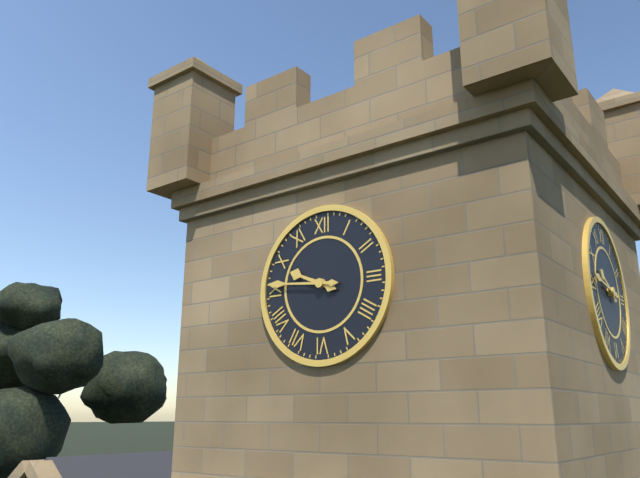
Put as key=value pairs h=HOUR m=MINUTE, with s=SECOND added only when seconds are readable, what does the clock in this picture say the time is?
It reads h=9 m=46
